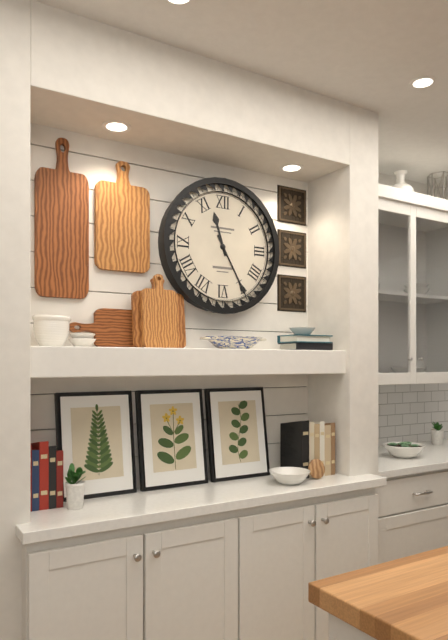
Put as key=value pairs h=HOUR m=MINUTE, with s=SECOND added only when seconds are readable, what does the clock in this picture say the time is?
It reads h=11 m=25
